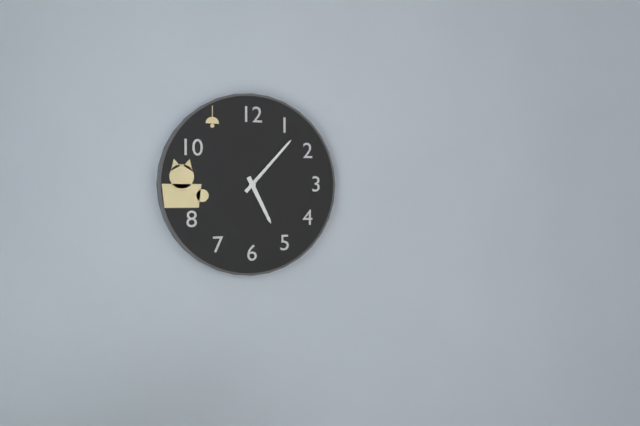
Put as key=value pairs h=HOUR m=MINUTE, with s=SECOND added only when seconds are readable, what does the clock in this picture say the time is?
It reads h=5 m=7
